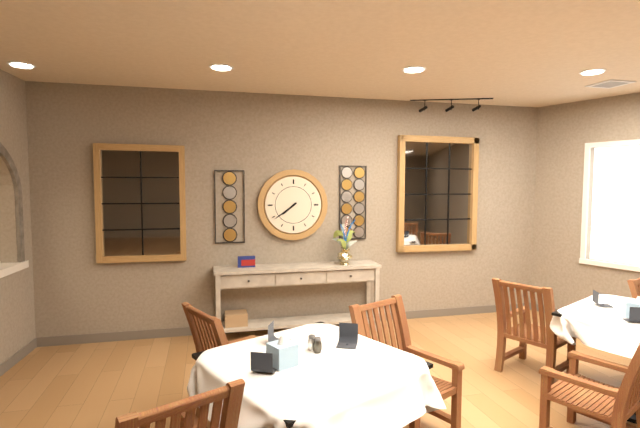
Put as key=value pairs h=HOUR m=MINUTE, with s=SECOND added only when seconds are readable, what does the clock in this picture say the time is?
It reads h=7 m=39
